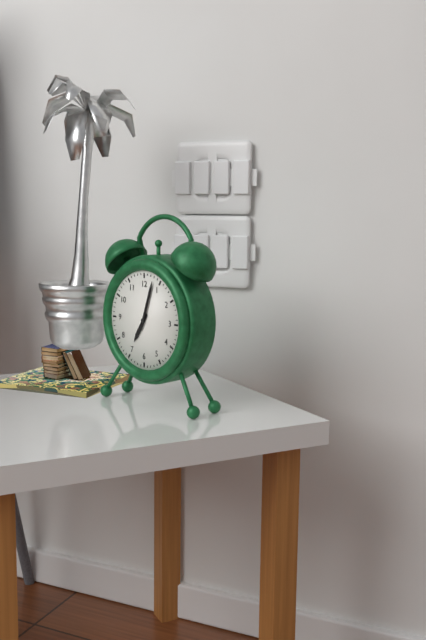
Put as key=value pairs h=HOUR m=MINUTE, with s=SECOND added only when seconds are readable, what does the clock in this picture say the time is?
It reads h=7 m=3
